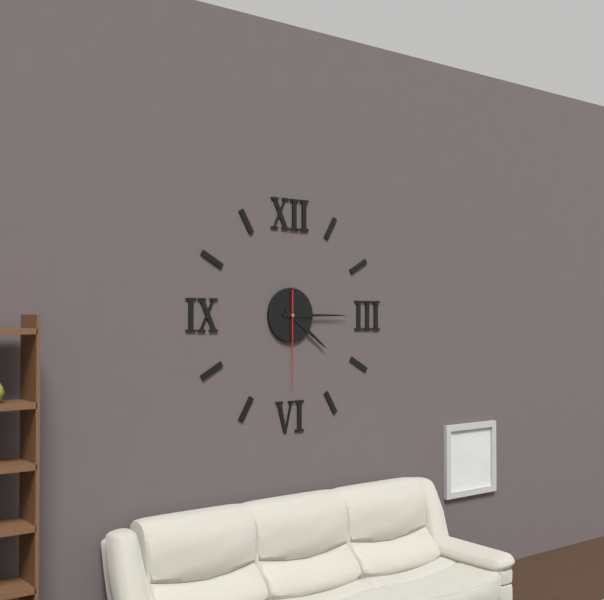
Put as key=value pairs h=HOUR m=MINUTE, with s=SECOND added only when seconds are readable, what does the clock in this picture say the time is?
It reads h=4 m=15 s=30
